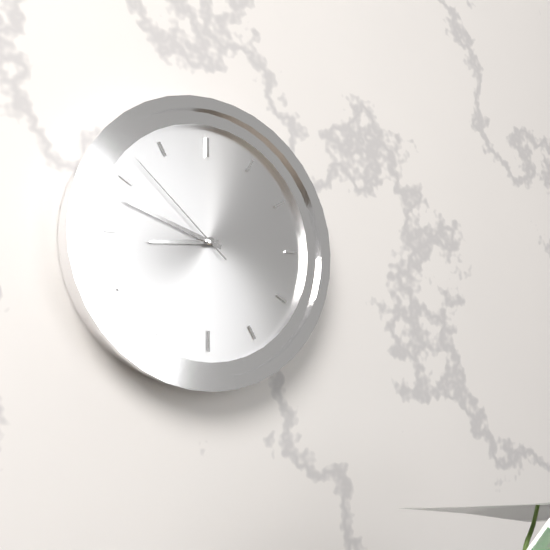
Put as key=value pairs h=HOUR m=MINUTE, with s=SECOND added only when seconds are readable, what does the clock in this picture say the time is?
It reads h=8 m=48 s=52
